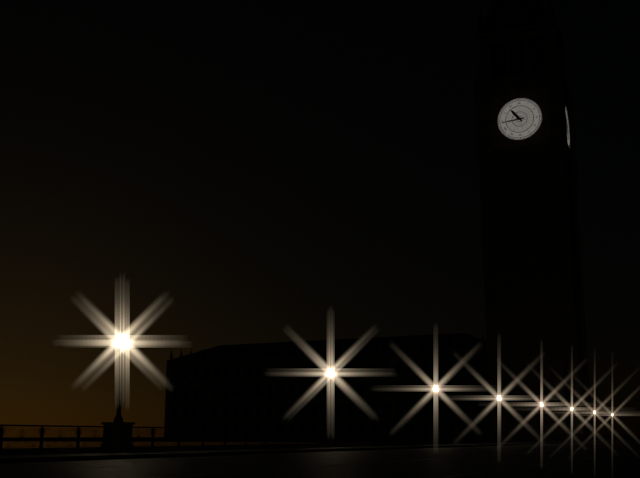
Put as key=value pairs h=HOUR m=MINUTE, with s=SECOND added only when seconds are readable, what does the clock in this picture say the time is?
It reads h=10 m=44
